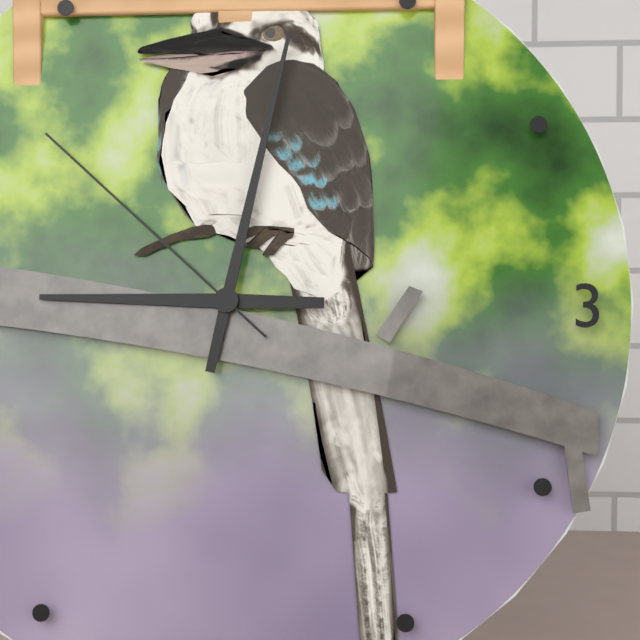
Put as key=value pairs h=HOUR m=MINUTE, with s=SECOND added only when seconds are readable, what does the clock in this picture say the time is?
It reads h=9 m=2 s=52
